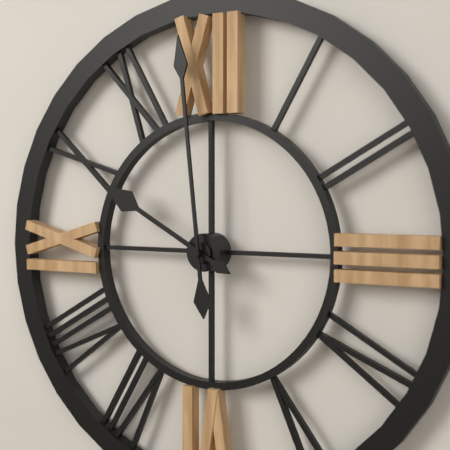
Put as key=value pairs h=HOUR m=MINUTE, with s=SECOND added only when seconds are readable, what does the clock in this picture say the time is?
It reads h=9 m=59
